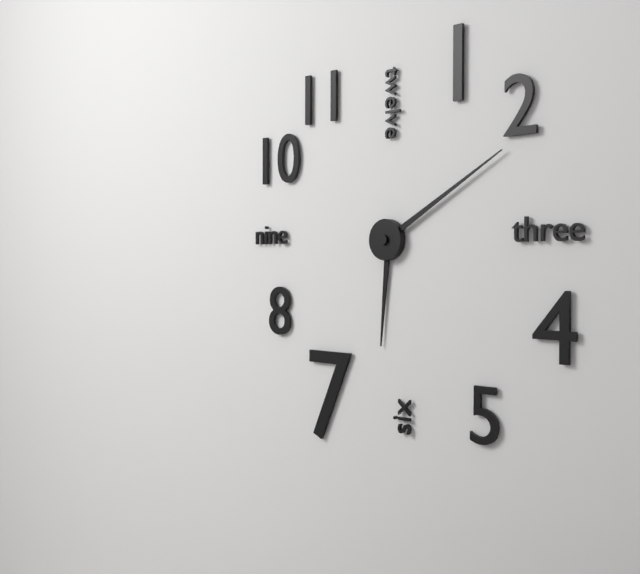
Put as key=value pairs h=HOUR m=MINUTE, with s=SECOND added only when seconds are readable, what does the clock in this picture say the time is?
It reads h=6 m=10
